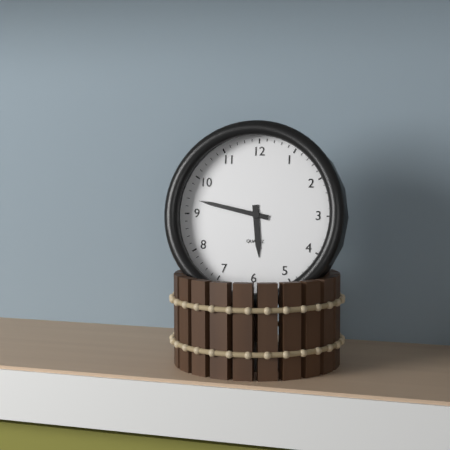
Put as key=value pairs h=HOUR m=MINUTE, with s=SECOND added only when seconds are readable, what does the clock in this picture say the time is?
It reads h=5 m=47
